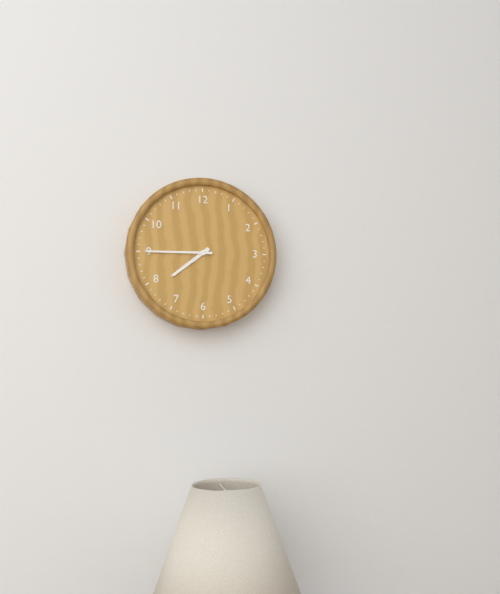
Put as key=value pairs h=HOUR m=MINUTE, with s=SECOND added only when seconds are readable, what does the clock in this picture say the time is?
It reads h=7 m=45
